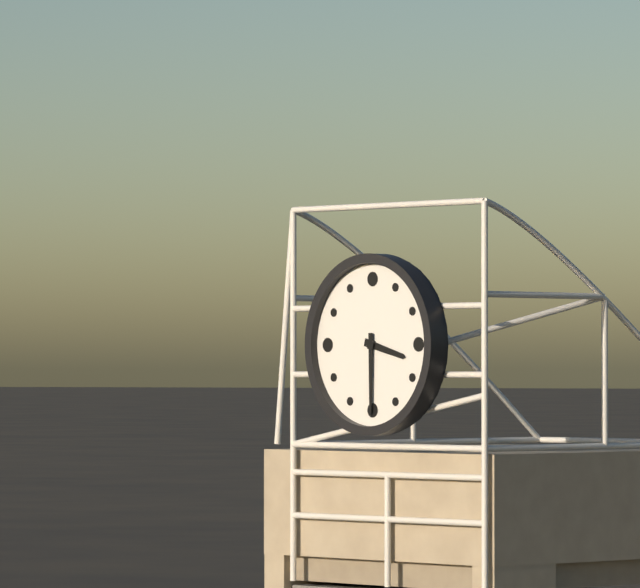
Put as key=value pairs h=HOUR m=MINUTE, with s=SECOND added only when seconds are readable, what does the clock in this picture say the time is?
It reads h=3 m=30
